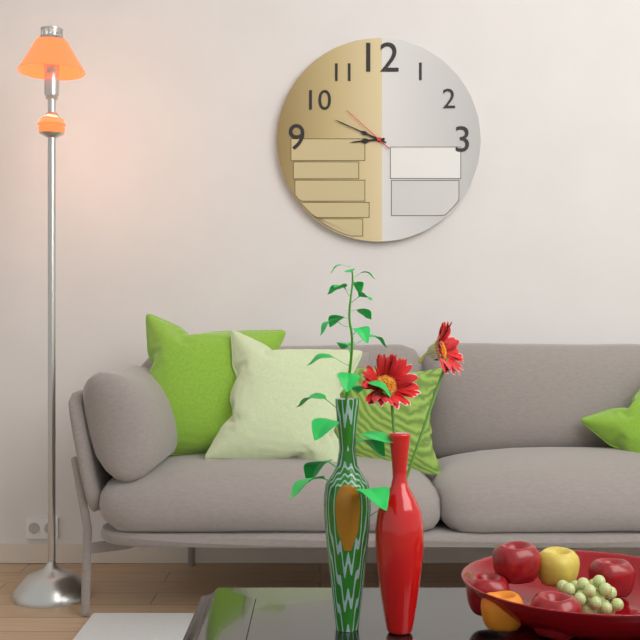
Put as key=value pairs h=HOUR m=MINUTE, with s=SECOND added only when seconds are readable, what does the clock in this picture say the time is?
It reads h=8 m=49 s=52
